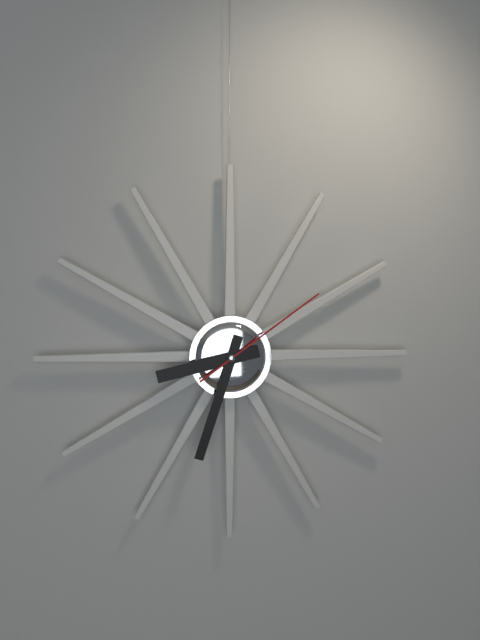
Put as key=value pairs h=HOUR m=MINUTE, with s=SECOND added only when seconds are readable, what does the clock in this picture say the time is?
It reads h=8 m=33 s=9
